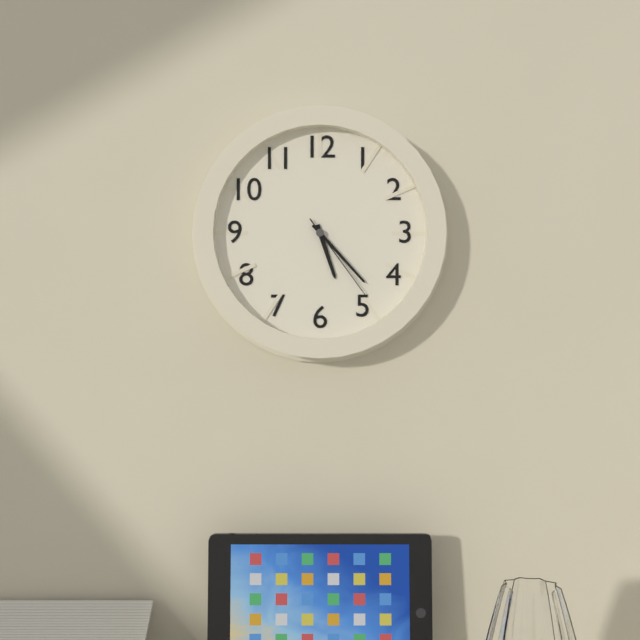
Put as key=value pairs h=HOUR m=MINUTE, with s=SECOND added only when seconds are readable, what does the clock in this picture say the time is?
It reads h=5 m=23 s=24
